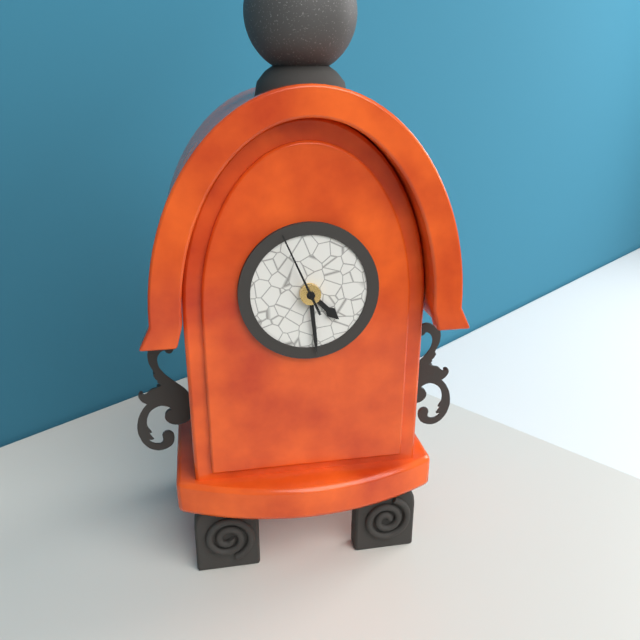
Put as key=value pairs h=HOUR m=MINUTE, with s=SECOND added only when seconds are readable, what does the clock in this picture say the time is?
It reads h=4 m=29 s=56
